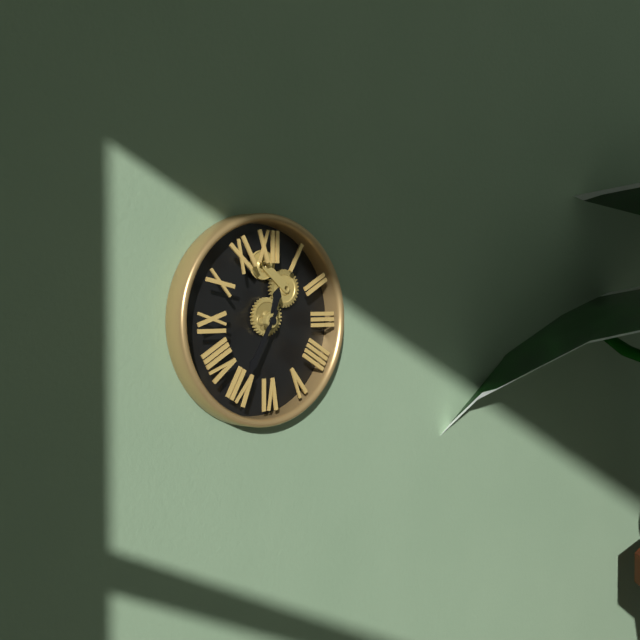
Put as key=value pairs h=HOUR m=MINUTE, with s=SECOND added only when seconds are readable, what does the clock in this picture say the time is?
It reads h=12 m=35
